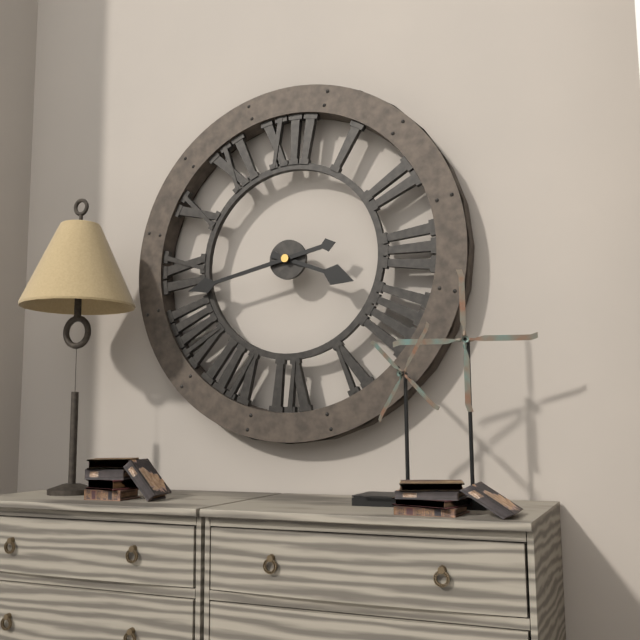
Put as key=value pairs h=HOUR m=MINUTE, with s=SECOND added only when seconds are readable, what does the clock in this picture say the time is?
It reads h=3 m=43
